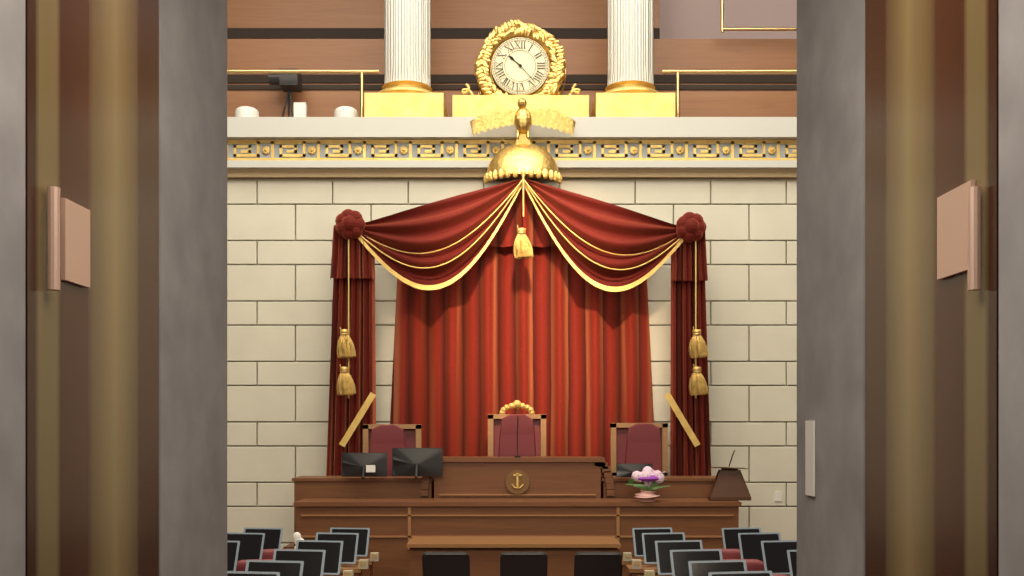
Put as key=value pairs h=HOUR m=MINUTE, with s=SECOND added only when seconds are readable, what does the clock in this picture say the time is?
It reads h=10 m=23
